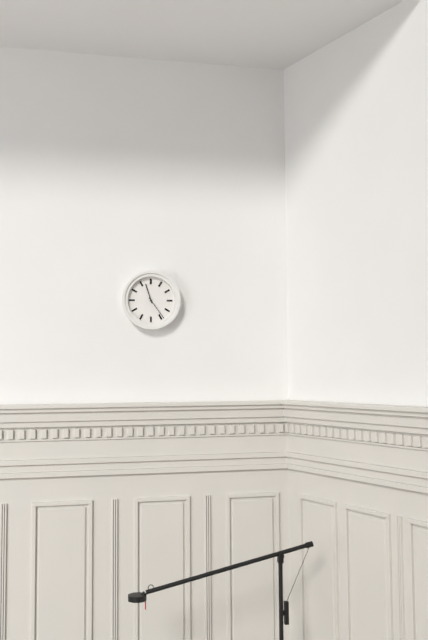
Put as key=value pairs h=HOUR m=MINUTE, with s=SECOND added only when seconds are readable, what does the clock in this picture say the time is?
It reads h=11 m=24
